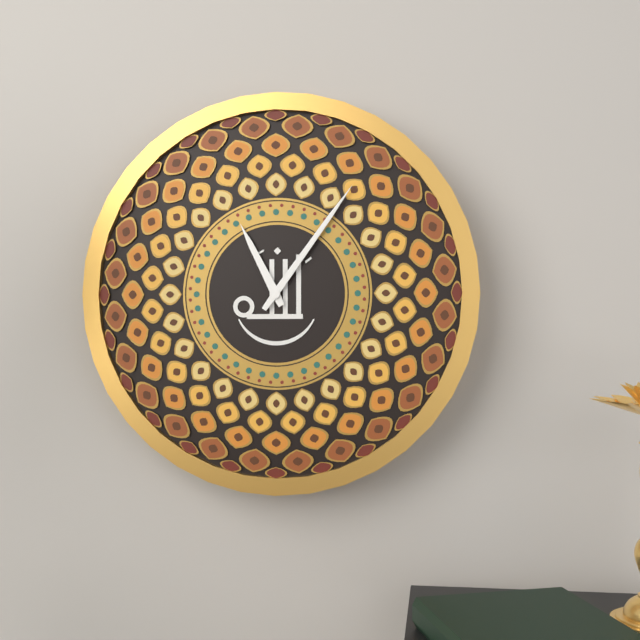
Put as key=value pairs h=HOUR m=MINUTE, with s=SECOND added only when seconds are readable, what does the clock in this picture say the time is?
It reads h=11 m=6
